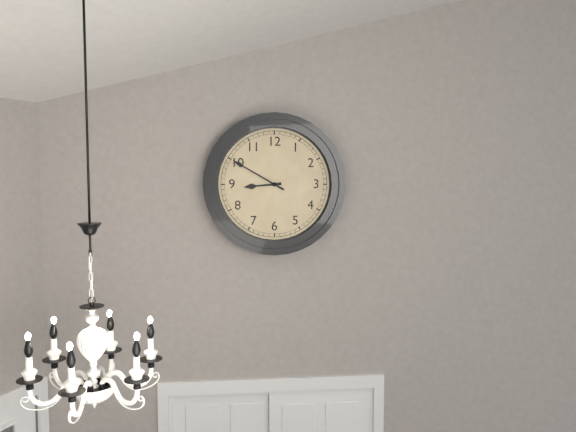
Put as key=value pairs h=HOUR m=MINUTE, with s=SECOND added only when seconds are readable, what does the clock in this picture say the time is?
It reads h=8 m=50
